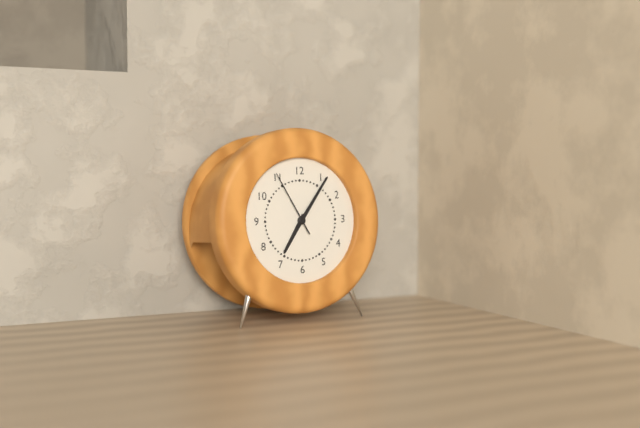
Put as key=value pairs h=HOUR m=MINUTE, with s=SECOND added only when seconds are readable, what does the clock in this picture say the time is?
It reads h=7 m=6 s=55
